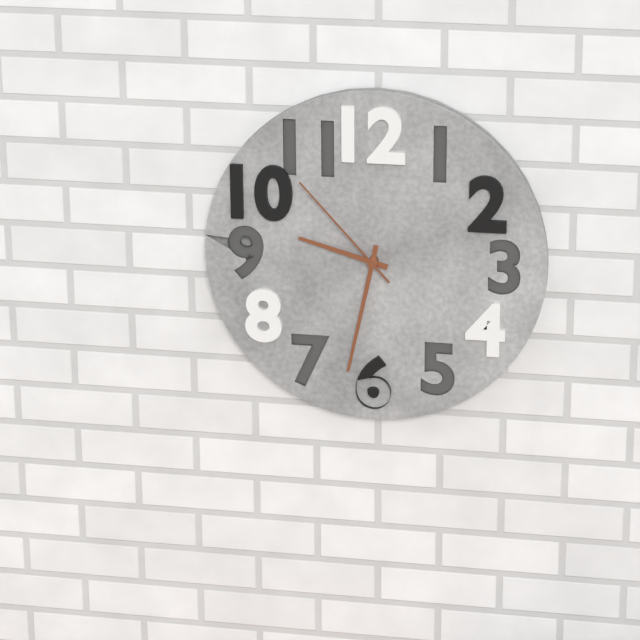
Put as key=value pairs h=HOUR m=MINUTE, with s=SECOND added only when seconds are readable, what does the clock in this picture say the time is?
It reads h=9 m=32 s=53
